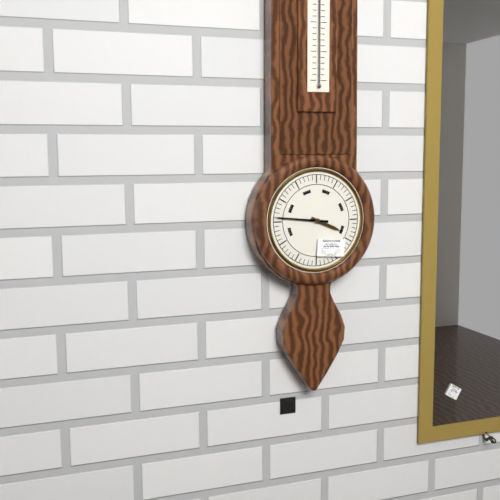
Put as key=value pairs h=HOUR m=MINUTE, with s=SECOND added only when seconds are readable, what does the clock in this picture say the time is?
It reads h=3 m=46
